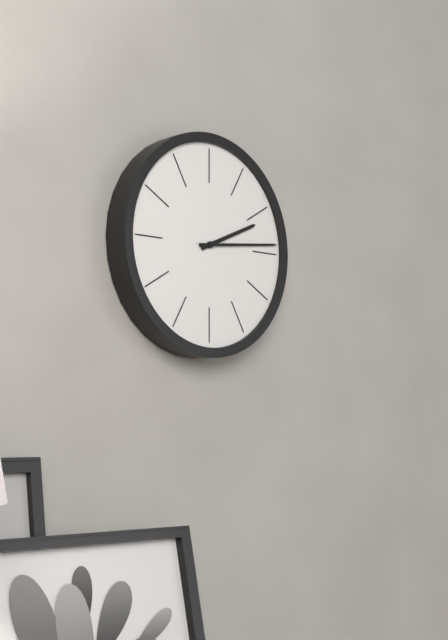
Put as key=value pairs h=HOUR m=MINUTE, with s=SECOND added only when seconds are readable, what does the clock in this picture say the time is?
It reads h=2 m=14
